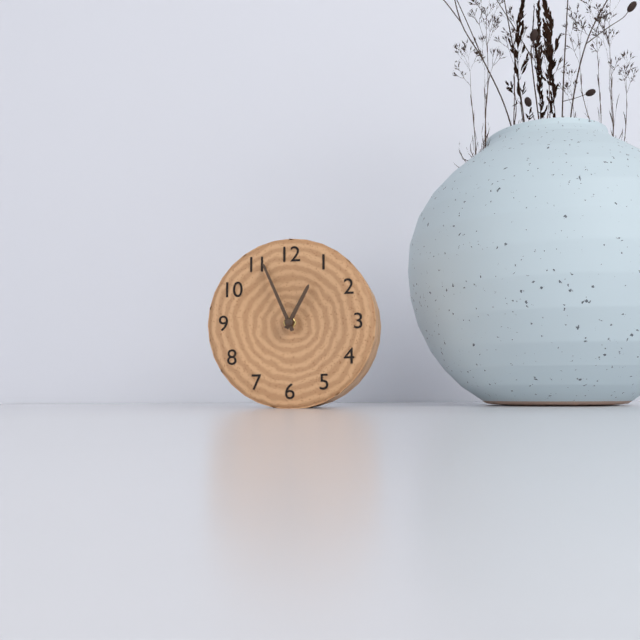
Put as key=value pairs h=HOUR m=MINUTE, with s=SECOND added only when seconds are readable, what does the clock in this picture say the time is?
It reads h=12 m=56
